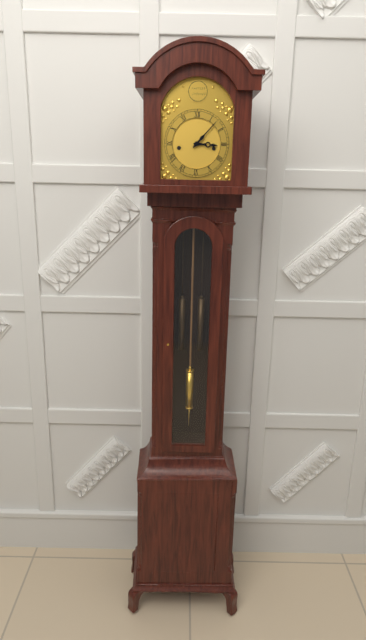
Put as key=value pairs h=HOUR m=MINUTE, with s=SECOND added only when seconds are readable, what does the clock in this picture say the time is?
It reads h=3 m=7
